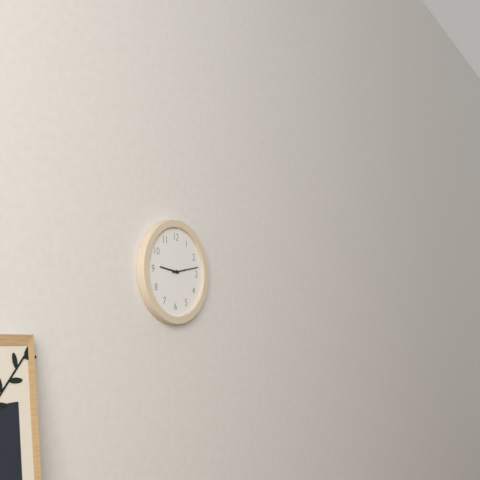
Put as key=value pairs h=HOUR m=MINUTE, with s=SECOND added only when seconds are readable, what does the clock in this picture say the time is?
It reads h=9 m=13
